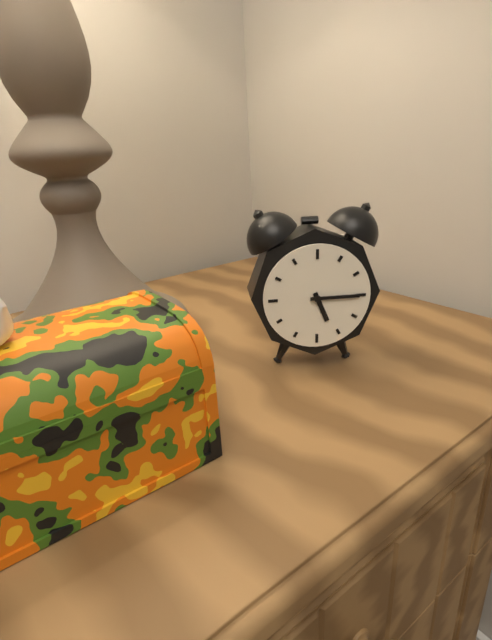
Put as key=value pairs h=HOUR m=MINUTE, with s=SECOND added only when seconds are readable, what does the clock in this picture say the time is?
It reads h=5 m=15
